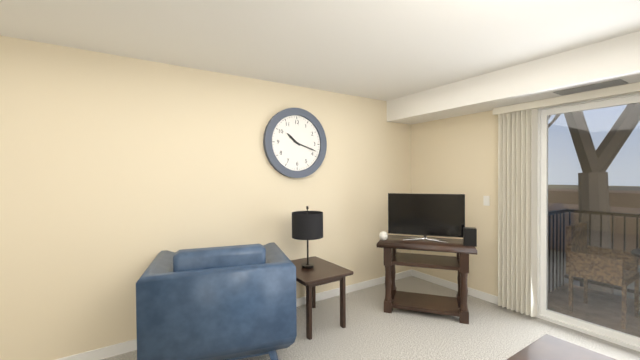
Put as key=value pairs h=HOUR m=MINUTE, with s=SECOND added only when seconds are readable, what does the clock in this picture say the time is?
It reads h=10 m=18
